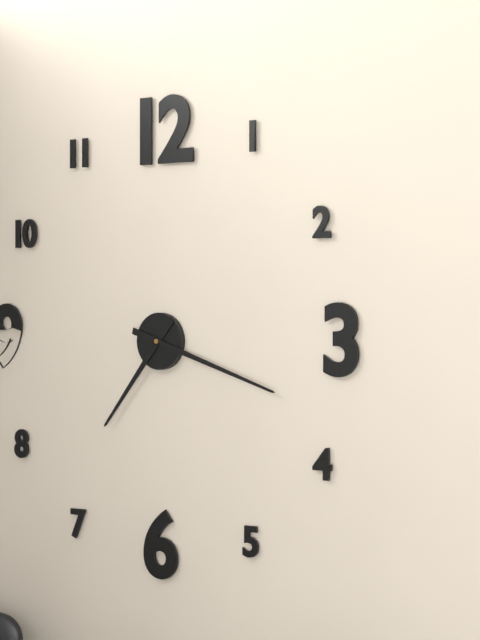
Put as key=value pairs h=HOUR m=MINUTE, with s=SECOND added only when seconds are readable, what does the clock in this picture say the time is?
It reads h=7 m=18
